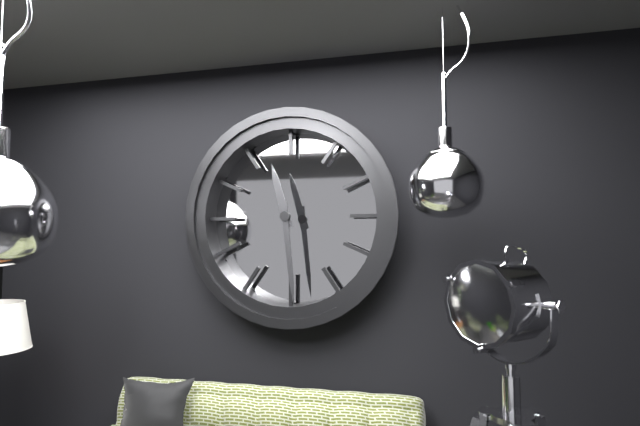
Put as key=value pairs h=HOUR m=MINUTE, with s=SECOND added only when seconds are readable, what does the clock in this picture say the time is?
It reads h=11 m=29
